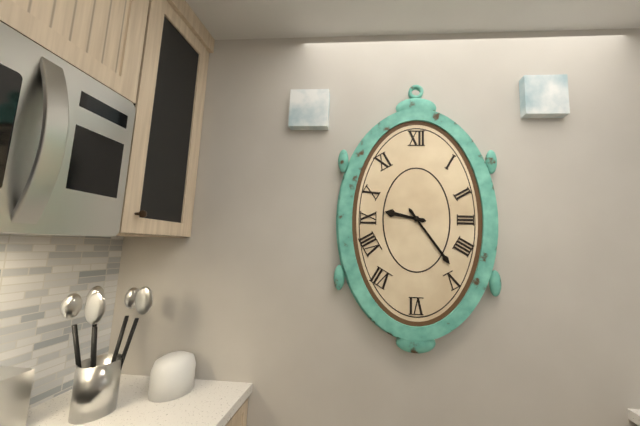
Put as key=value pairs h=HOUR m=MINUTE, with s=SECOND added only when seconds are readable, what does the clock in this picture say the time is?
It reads h=9 m=24
